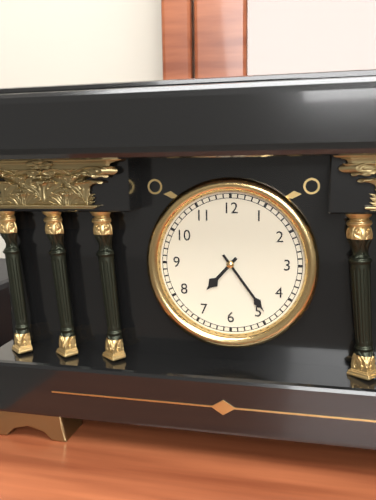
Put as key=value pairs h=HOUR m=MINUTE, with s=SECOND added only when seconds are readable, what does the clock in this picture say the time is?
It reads h=7 m=24
